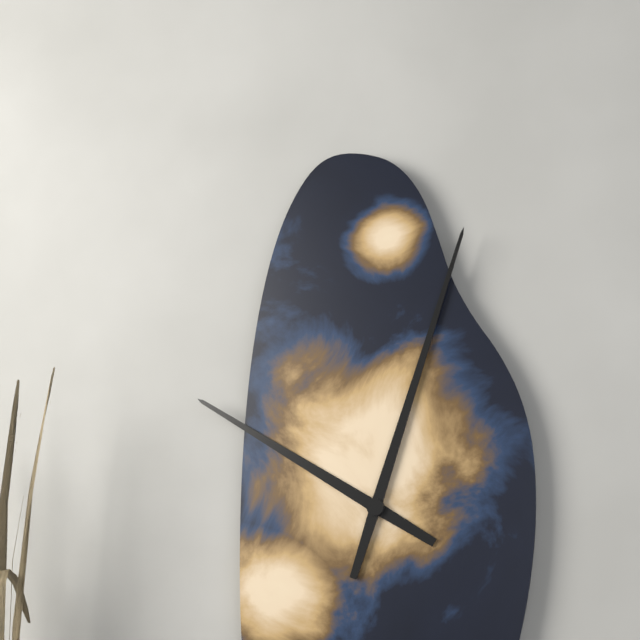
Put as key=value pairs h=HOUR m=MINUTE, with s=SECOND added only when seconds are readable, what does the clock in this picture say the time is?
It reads h=10 m=3
